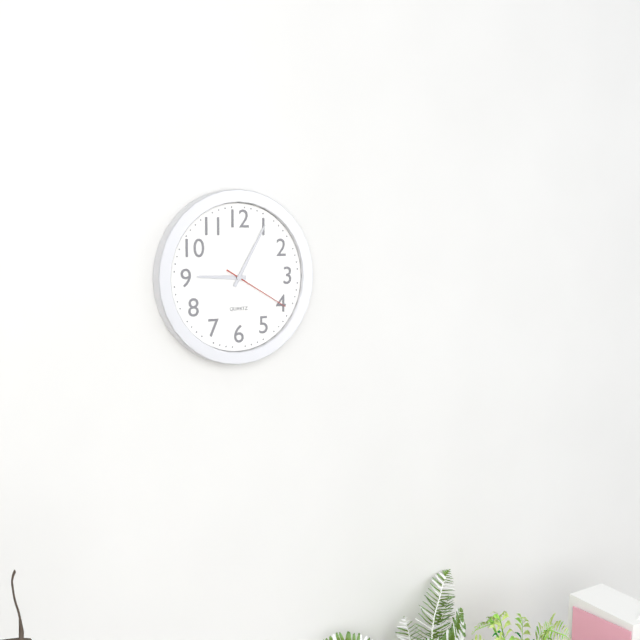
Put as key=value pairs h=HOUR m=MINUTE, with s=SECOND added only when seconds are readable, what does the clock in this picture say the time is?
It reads h=9 m=5 s=20
